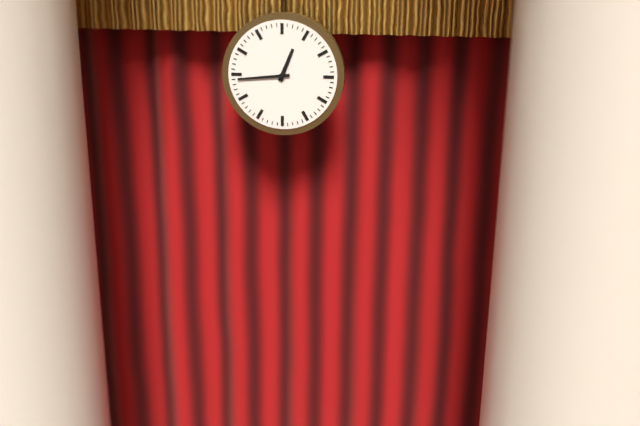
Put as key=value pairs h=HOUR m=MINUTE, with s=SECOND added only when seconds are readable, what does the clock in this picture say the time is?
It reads h=12 m=44
